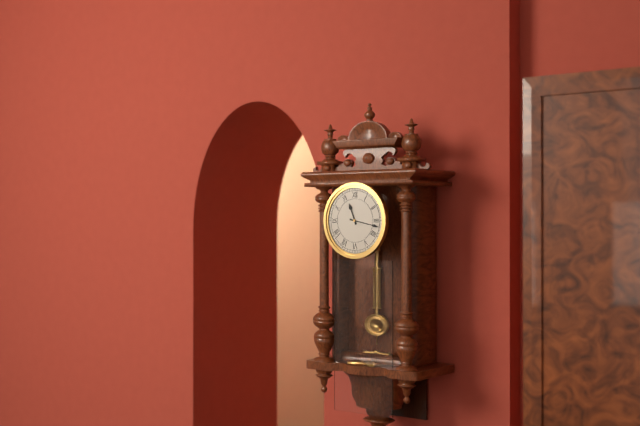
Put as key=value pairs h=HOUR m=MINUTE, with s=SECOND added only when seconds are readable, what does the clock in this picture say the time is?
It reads h=11 m=17
